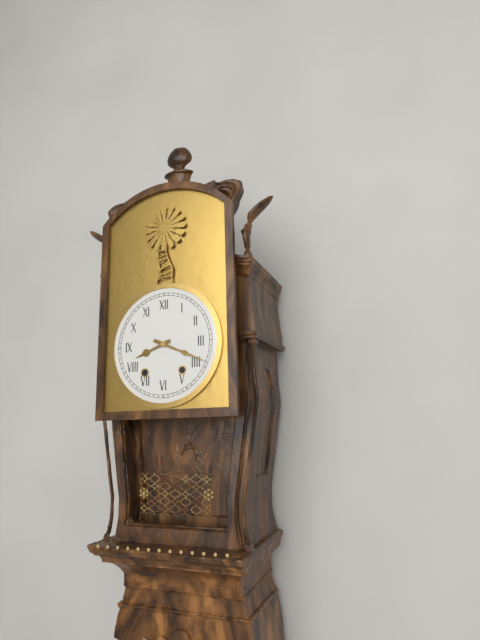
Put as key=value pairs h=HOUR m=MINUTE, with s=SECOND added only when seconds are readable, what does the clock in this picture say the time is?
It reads h=8 m=19
